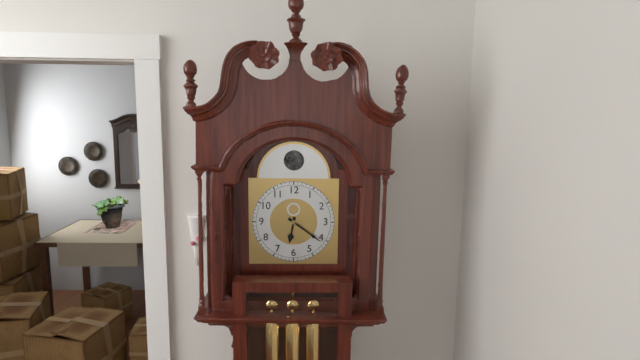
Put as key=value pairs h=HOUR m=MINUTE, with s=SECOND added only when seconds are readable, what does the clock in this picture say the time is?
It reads h=6 m=21
